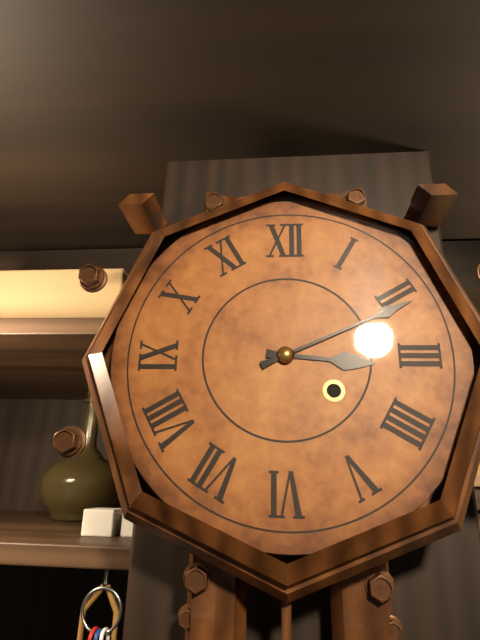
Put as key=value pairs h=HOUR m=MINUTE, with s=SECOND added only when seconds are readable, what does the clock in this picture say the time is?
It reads h=3 m=11
